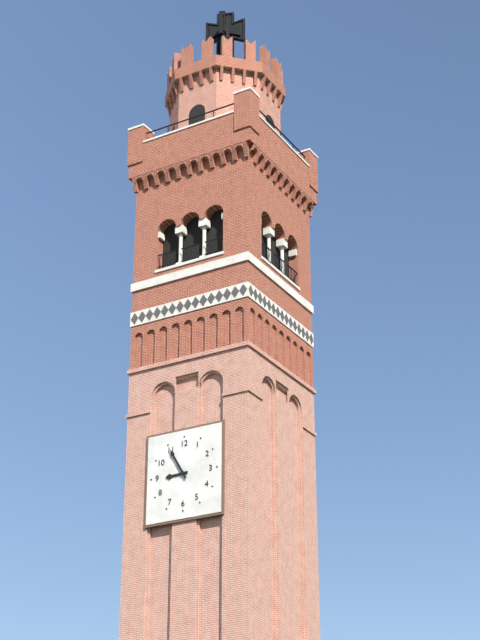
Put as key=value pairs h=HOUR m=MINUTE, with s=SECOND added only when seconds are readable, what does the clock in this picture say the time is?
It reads h=8 m=55
